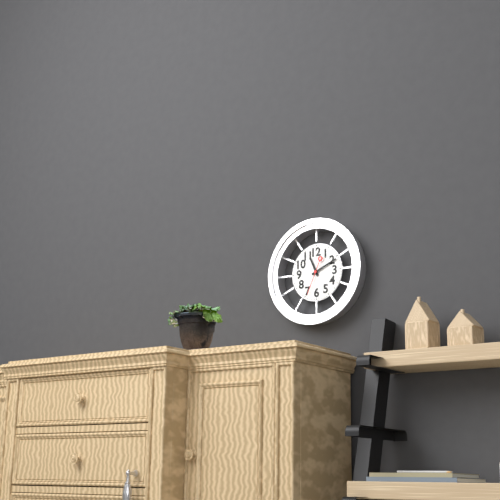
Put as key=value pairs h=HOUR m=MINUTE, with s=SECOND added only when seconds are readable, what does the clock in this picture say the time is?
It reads h=11 m=11
